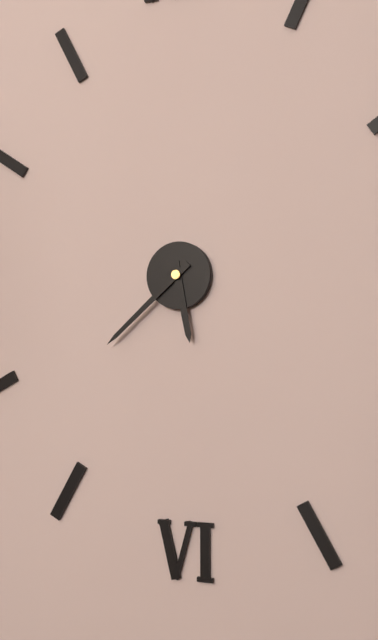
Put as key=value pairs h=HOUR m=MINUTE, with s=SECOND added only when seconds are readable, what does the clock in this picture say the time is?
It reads h=5 m=38
